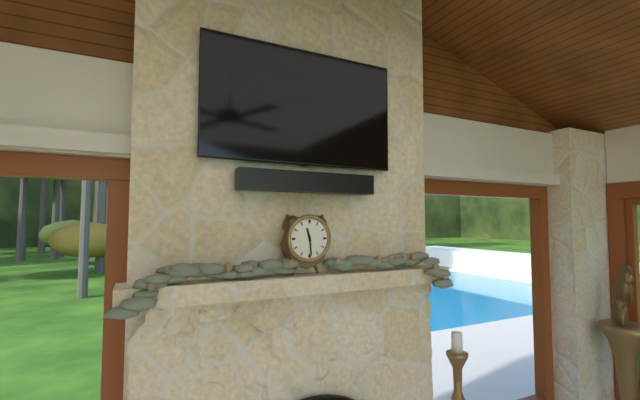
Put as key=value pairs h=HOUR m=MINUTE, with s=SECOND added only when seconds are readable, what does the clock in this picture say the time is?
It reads h=11 m=29
